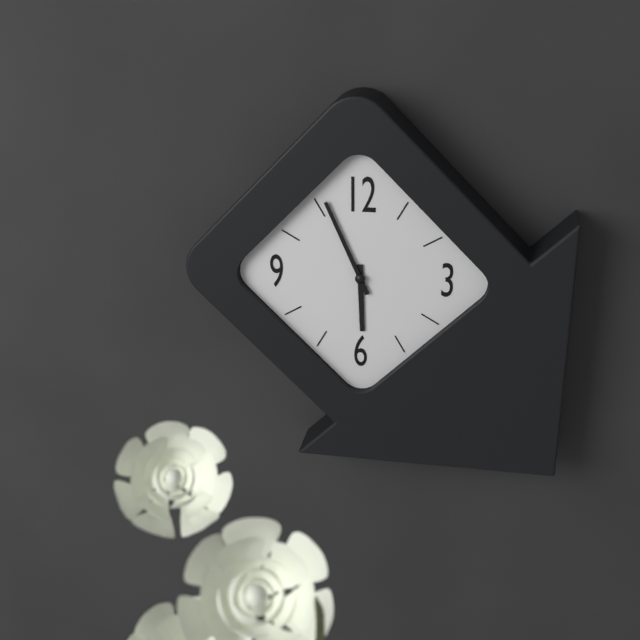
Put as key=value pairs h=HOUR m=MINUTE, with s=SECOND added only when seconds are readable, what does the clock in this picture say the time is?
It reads h=5 m=56
